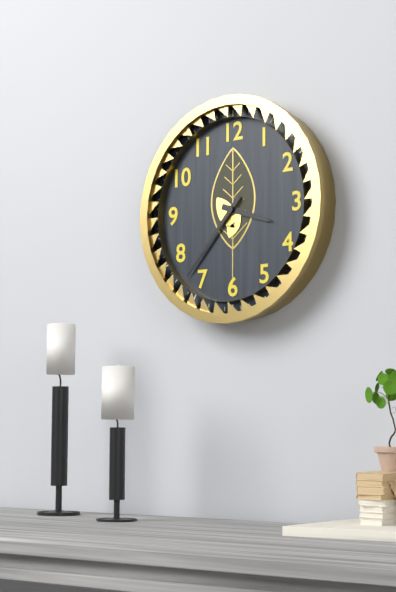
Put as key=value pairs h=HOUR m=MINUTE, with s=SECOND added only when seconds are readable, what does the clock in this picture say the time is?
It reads h=3 m=37
